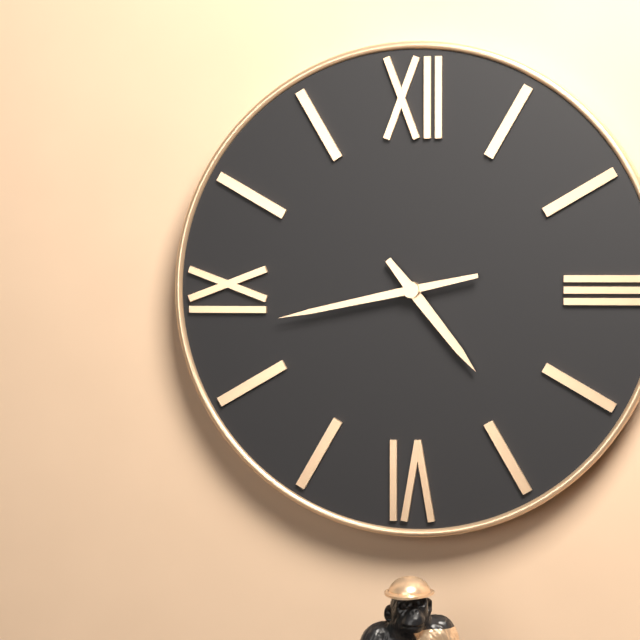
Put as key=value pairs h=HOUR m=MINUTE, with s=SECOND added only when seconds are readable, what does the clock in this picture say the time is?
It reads h=4 m=43
